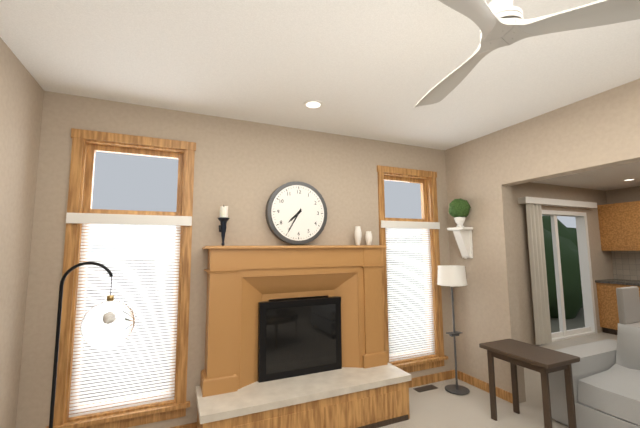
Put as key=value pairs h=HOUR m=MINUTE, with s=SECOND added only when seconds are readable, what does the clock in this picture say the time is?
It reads h=7 m=35
